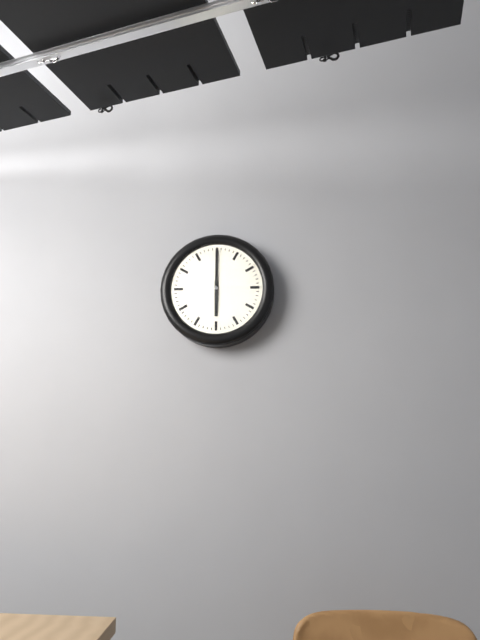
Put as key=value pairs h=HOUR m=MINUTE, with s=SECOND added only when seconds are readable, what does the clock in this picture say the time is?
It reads h=6 m=0
